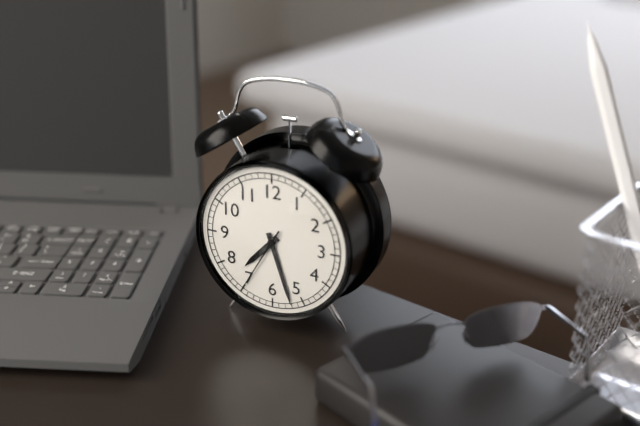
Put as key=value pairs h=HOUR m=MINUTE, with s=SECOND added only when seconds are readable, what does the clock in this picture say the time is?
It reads h=7 m=27 s=35
